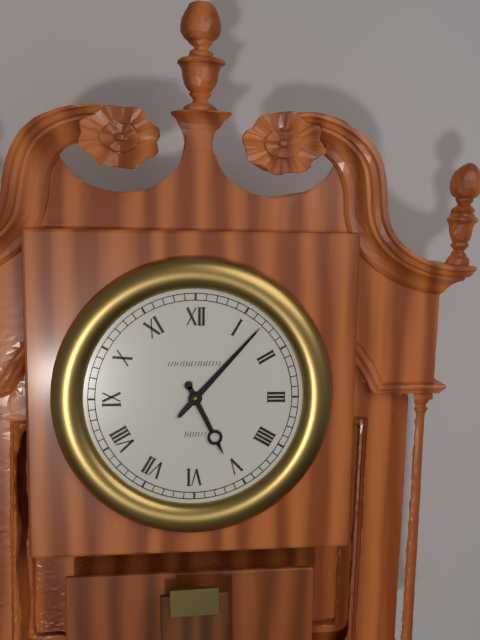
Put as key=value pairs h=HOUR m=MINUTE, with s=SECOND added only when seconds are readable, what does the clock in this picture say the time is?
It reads h=5 m=7
